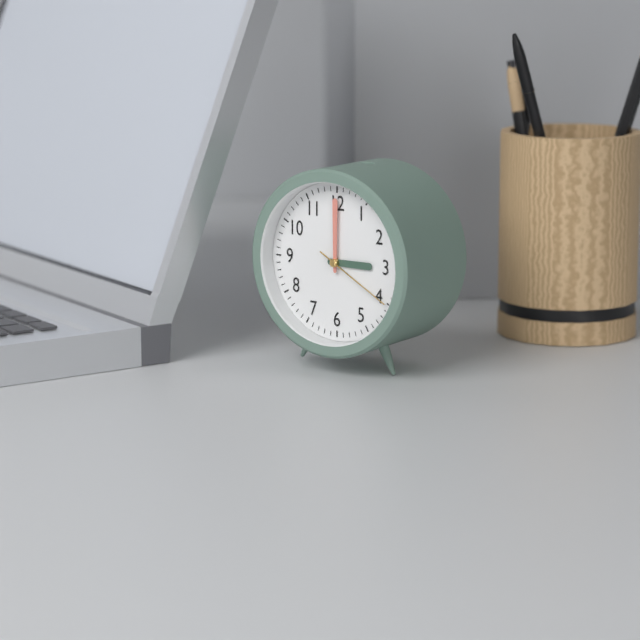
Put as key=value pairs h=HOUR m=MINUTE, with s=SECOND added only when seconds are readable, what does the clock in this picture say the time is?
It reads h=3 m=0 s=20
